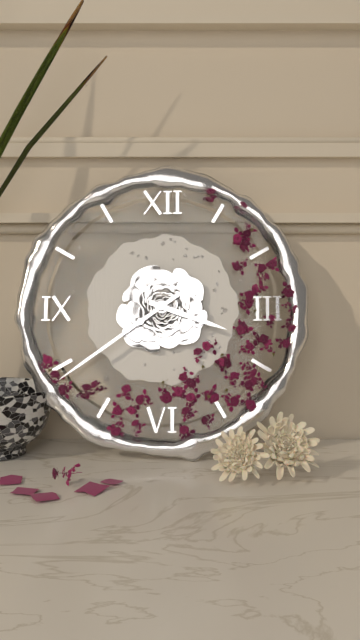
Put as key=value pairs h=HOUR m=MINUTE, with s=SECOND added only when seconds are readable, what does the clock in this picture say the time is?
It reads h=3 m=39
